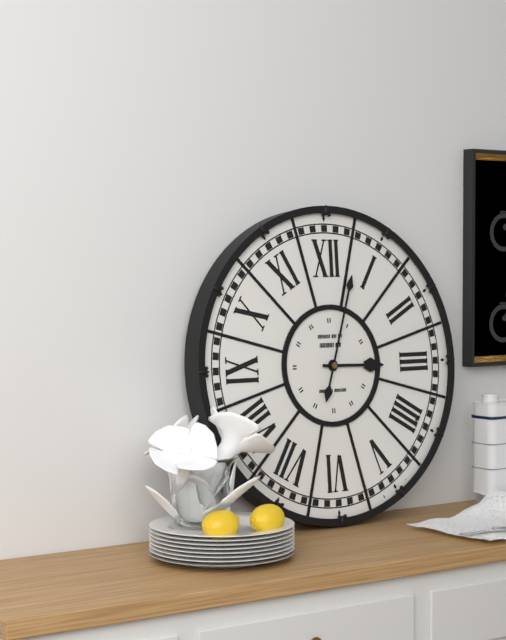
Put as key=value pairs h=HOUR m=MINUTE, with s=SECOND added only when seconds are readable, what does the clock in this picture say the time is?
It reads h=3 m=3
